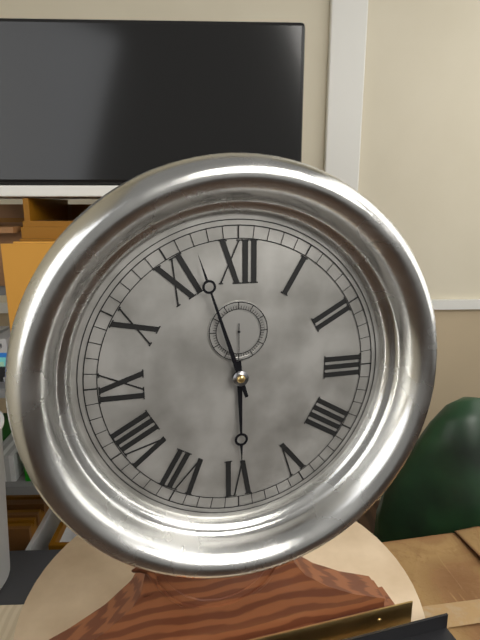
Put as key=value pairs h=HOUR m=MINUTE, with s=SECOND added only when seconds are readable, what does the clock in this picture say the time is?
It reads h=5 m=57
